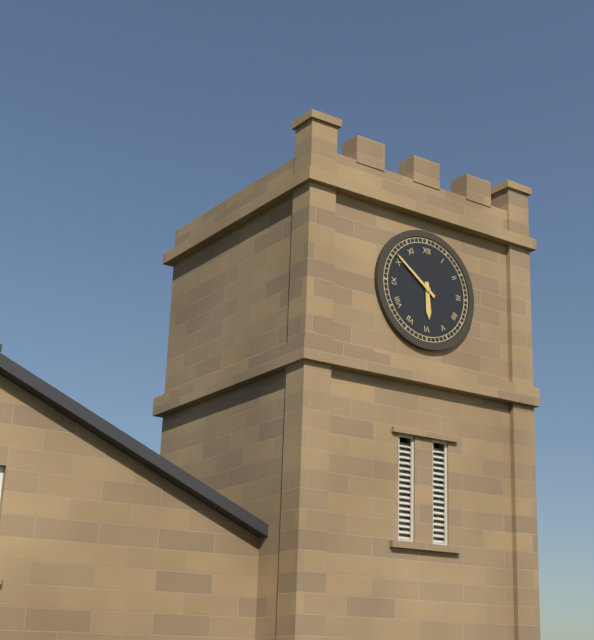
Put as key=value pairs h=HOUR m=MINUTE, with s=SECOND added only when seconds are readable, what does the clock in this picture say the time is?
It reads h=5 m=51
